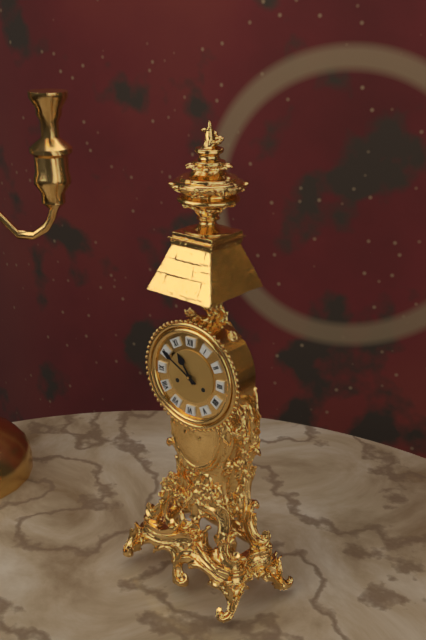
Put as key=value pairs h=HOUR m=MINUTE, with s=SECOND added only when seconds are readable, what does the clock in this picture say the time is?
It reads h=10 m=50
